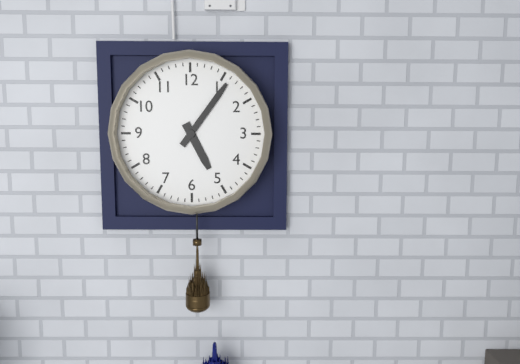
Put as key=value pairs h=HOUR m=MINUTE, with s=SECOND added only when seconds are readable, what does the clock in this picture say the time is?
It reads h=5 m=6
